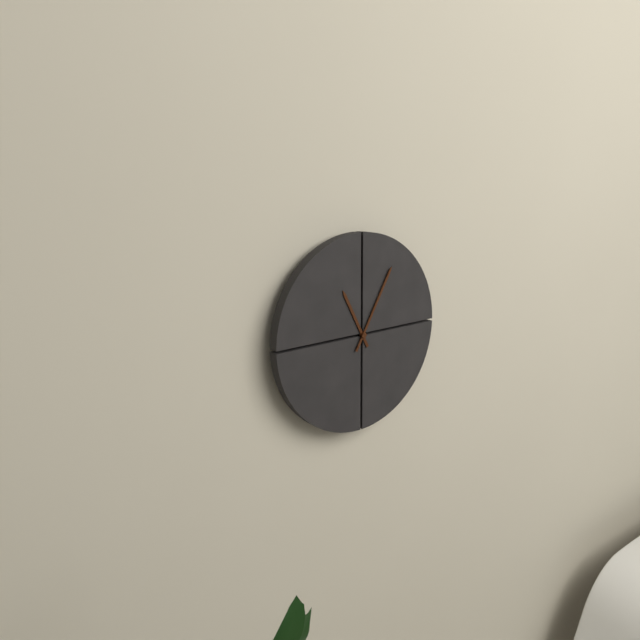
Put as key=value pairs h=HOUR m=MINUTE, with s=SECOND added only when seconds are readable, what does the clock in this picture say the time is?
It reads h=11 m=5
